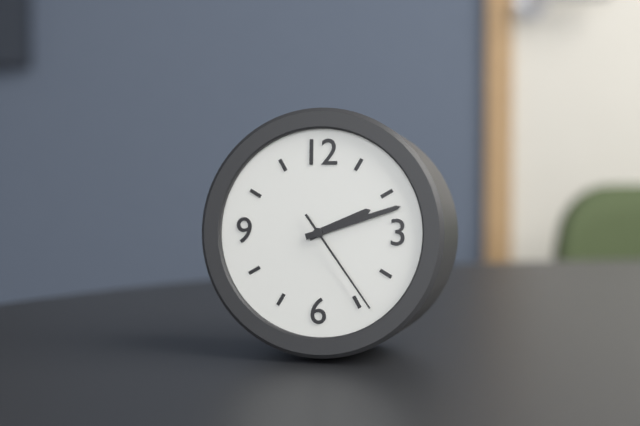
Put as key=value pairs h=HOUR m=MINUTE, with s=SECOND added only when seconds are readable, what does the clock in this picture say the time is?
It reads h=2 m=12 s=24
